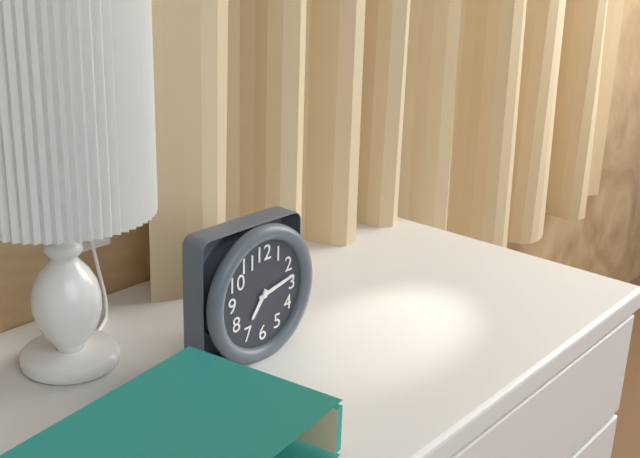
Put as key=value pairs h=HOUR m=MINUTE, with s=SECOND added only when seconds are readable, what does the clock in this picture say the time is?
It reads h=7 m=13
